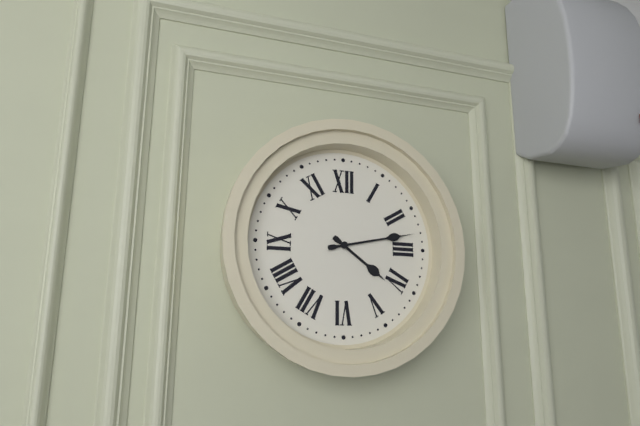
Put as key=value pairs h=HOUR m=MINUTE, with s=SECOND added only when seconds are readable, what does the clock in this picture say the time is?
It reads h=4 m=13
